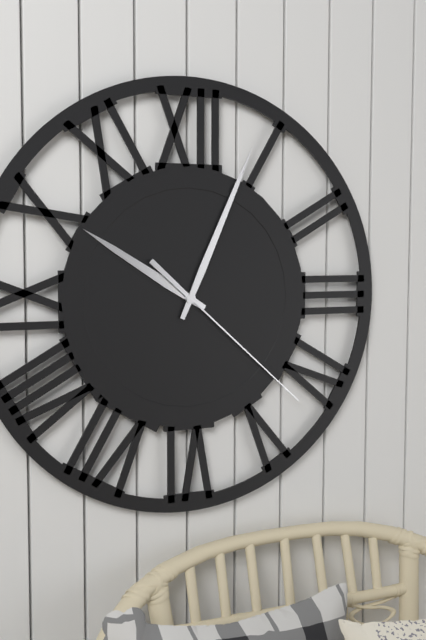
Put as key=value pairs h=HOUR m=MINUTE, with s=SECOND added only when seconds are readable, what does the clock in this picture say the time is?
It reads h=10 m=4 s=22
